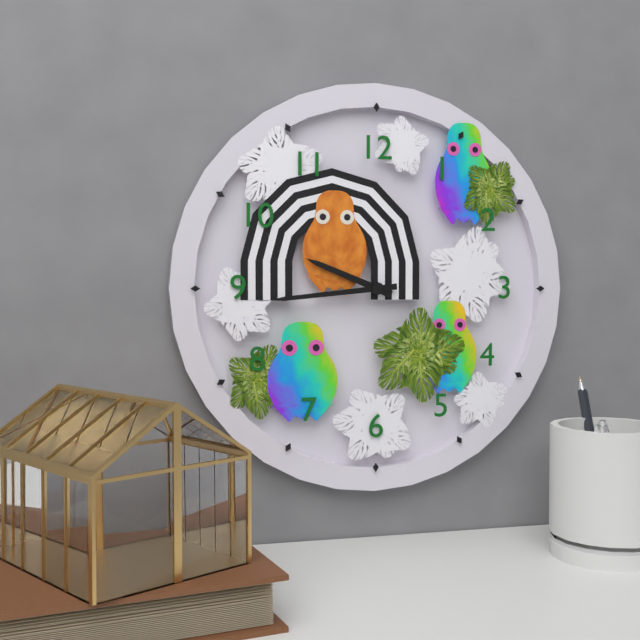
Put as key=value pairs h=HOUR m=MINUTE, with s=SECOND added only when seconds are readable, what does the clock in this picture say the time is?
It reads h=9 m=44
